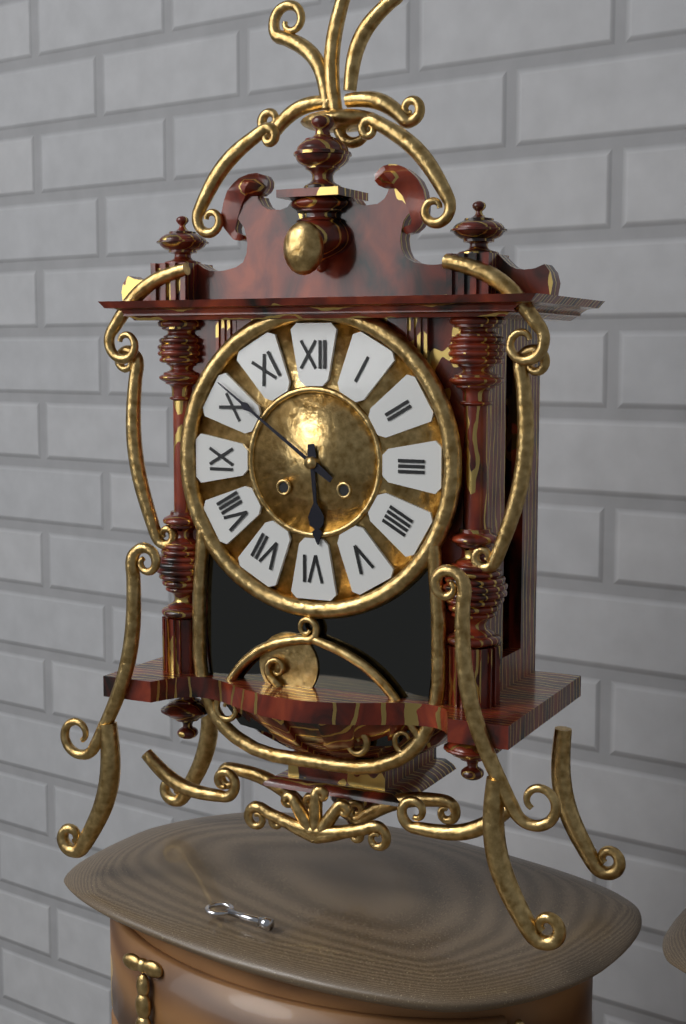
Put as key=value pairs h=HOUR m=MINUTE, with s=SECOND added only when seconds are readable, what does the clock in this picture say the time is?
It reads h=5 m=51
